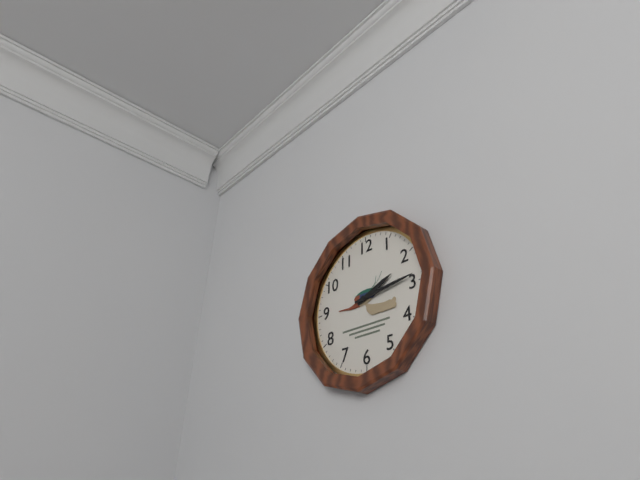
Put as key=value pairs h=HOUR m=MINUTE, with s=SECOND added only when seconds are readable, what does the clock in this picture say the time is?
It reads h=2 m=14
